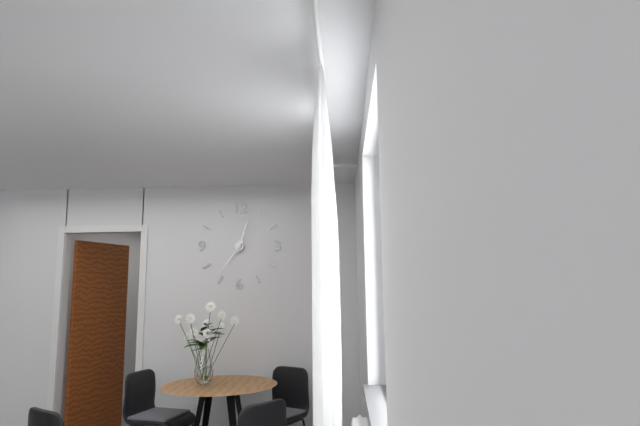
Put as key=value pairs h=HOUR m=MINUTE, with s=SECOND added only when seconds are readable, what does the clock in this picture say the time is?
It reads h=12 m=36
